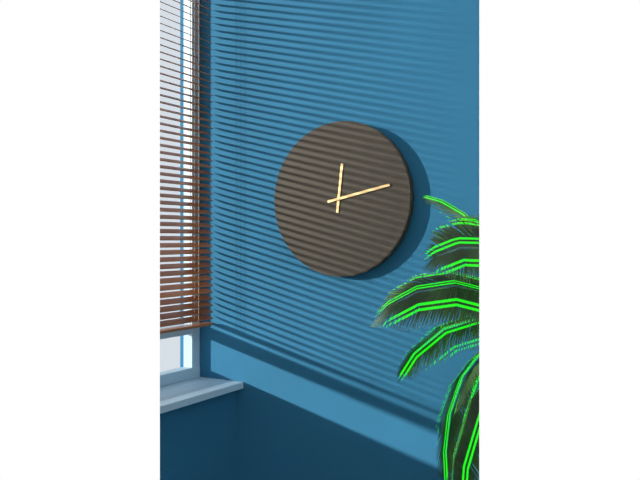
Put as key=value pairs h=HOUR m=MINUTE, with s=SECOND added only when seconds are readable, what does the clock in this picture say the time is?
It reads h=12 m=13
